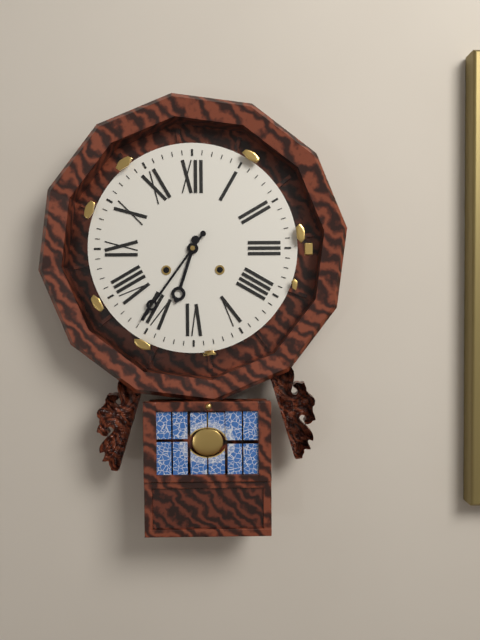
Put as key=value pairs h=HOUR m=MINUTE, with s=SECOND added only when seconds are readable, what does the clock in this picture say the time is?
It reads h=6 m=36
